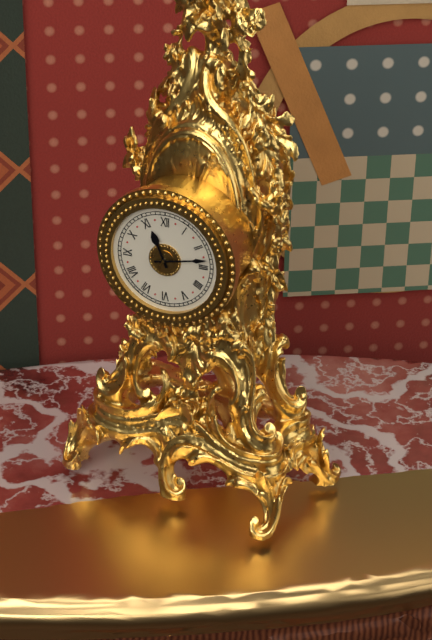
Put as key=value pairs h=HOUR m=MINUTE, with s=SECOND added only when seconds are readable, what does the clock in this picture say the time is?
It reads h=11 m=13
